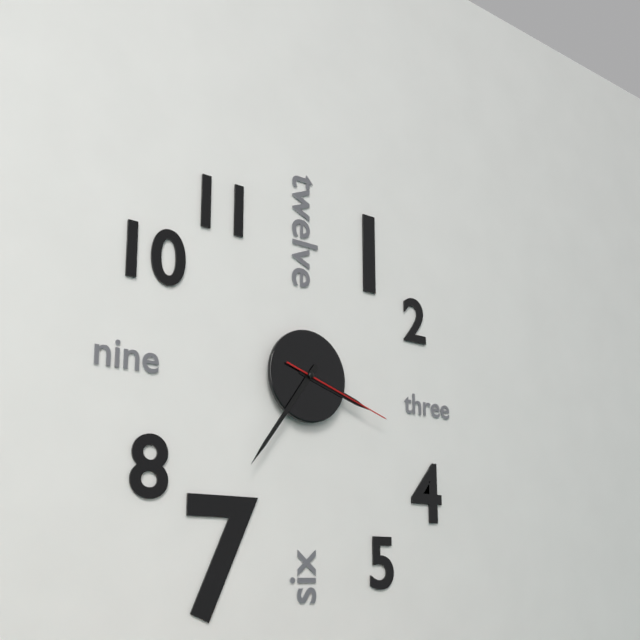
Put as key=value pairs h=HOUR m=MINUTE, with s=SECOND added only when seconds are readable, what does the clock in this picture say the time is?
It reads h=3 m=36 s=18
